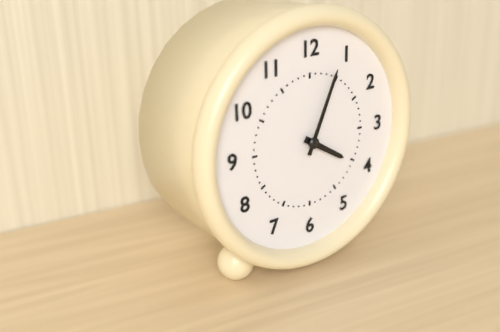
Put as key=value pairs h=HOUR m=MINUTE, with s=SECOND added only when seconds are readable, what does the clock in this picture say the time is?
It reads h=4 m=4
